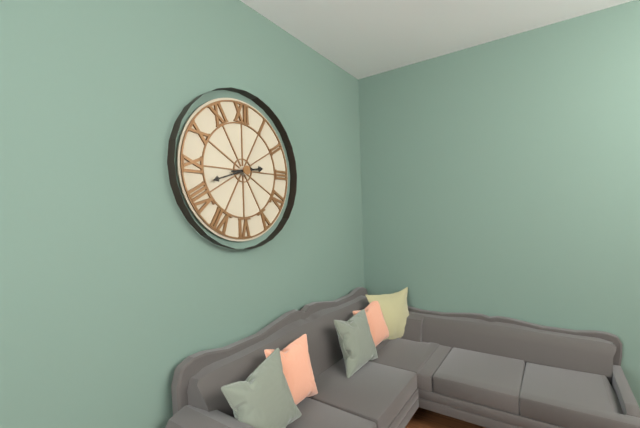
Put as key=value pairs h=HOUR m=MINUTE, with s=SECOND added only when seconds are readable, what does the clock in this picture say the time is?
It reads h=2 m=42
